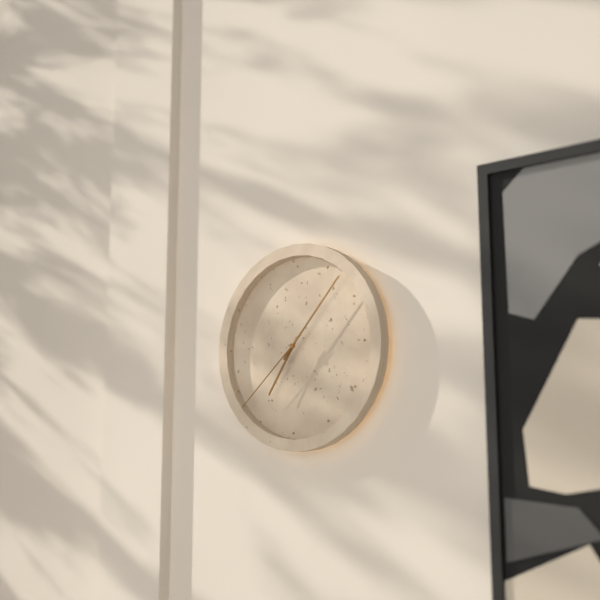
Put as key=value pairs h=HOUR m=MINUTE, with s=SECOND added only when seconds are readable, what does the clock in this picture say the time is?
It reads h=7 m=7 s=38
